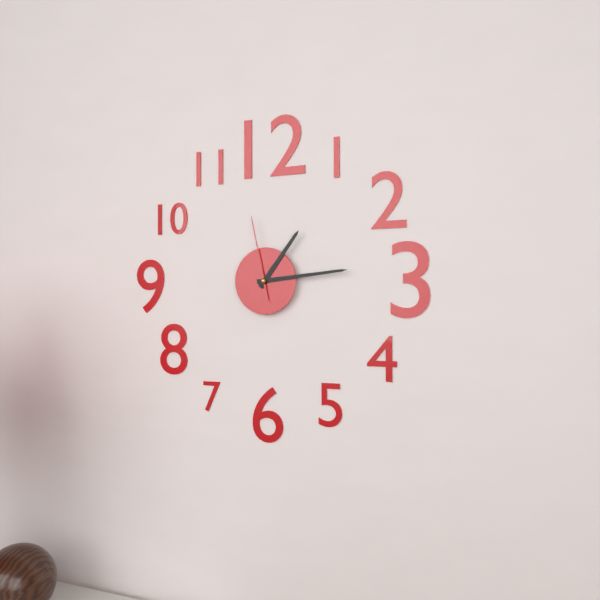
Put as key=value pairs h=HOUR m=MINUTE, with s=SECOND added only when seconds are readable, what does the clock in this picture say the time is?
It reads h=1 m=14 s=58
